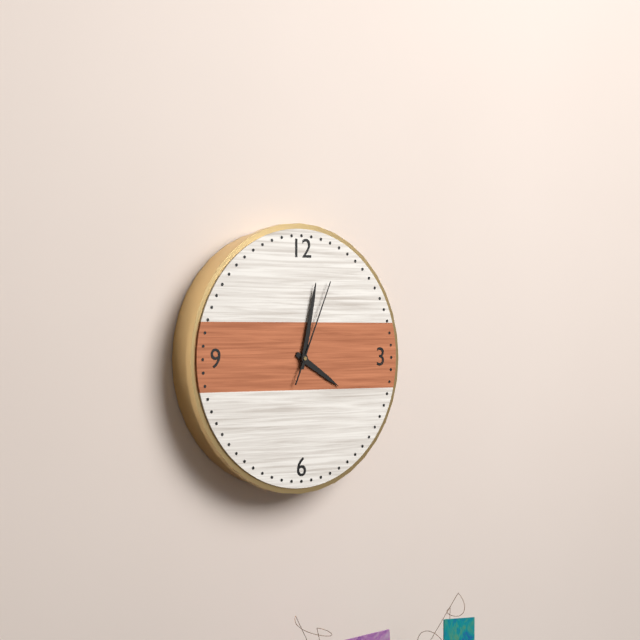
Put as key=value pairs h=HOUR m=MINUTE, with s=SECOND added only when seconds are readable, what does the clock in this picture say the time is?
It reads h=4 m=2 s=4
